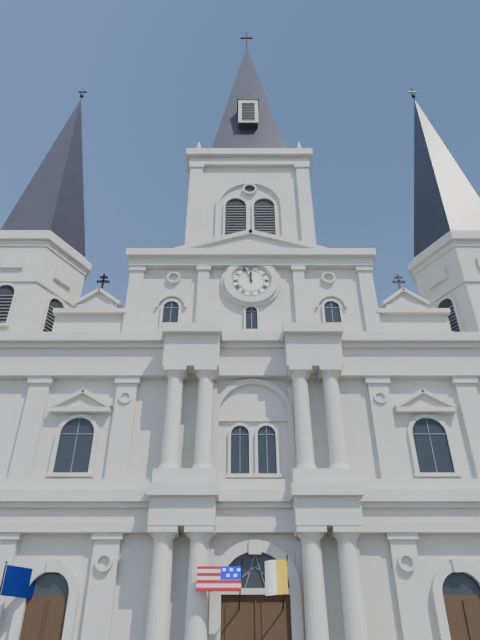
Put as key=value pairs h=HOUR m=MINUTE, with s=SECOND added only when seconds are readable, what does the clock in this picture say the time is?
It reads h=11 m=56
